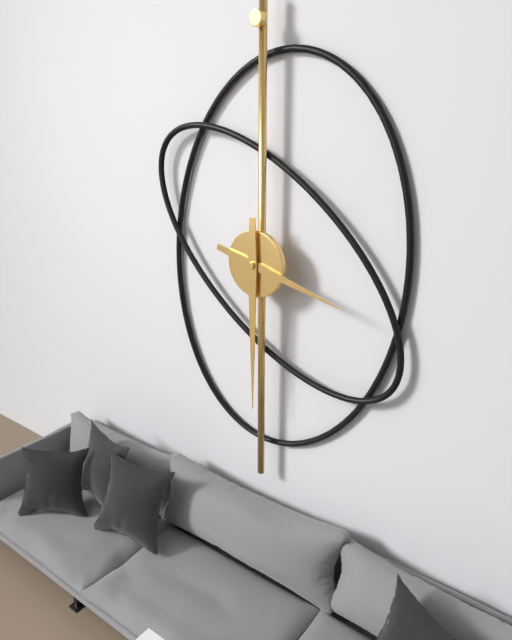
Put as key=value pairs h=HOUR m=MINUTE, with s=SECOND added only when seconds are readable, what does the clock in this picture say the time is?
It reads h=3 m=30
